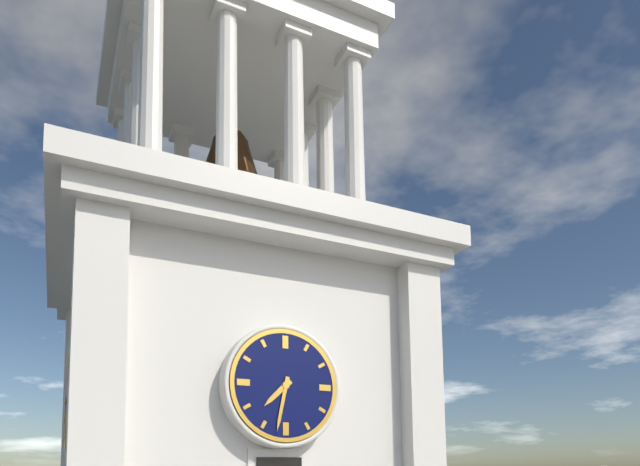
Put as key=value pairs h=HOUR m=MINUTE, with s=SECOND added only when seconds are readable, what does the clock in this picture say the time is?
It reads h=7 m=32
